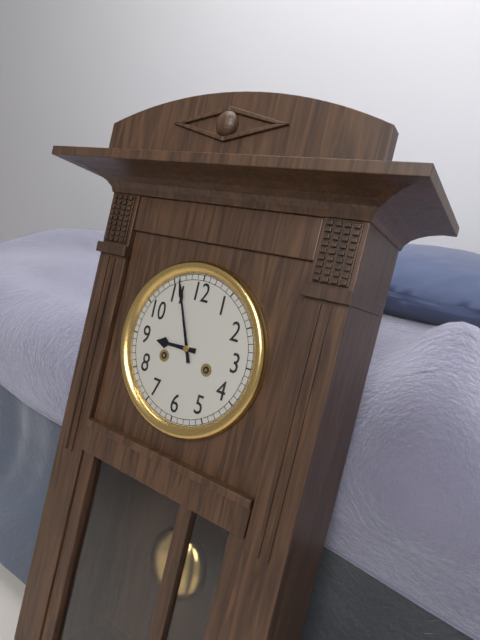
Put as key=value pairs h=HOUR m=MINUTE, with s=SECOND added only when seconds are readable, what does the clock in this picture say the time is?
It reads h=8 m=56
